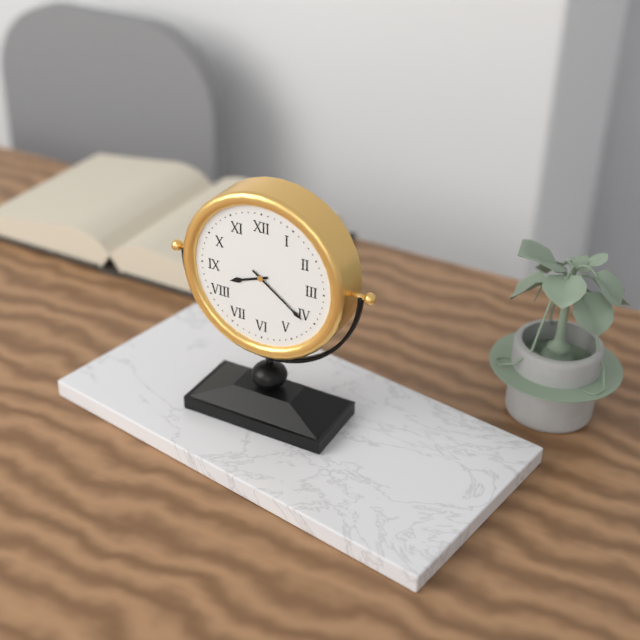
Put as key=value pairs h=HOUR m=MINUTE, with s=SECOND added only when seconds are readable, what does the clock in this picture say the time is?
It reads h=8 m=21
